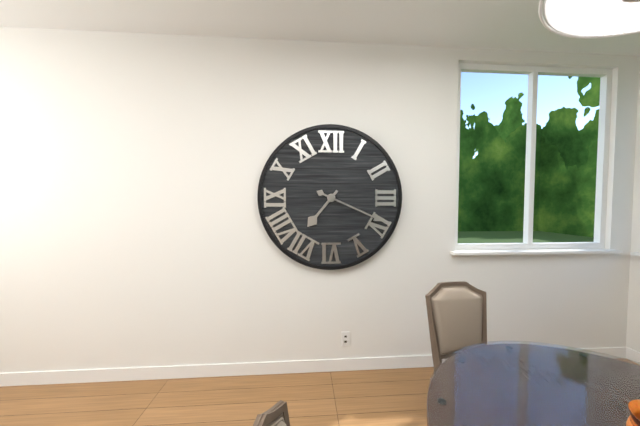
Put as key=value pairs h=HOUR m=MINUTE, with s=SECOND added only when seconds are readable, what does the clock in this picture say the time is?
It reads h=7 m=19
